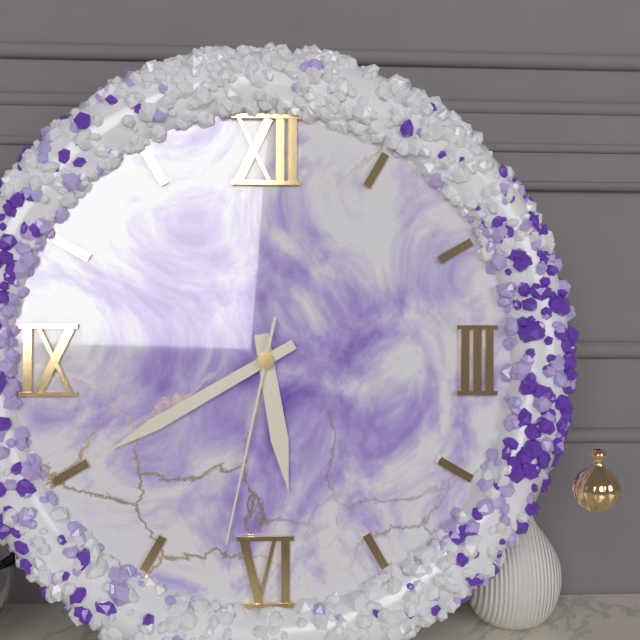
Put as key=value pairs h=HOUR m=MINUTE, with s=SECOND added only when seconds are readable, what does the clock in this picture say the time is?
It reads h=5 m=40 s=32
